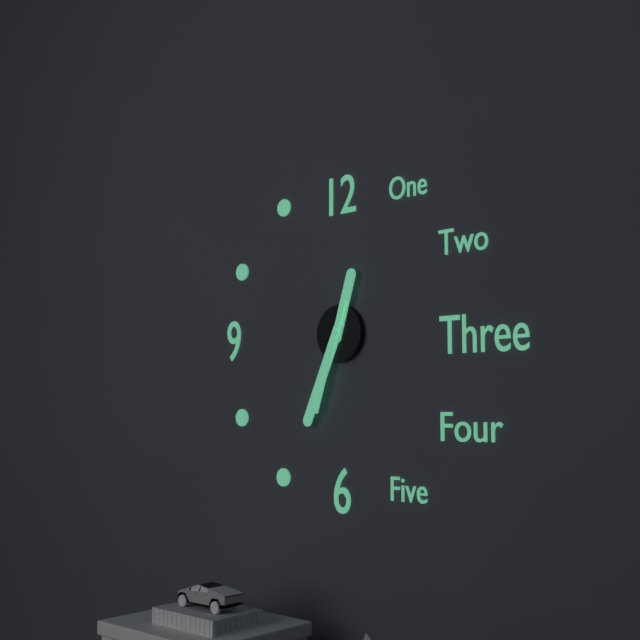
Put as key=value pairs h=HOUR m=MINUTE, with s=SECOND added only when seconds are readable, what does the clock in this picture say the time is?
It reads h=12 m=34 s=33
